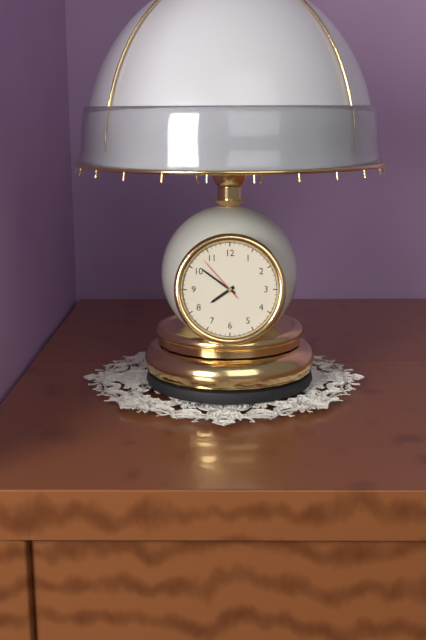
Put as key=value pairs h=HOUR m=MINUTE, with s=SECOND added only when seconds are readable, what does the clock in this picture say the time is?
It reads h=7 m=51 s=53
